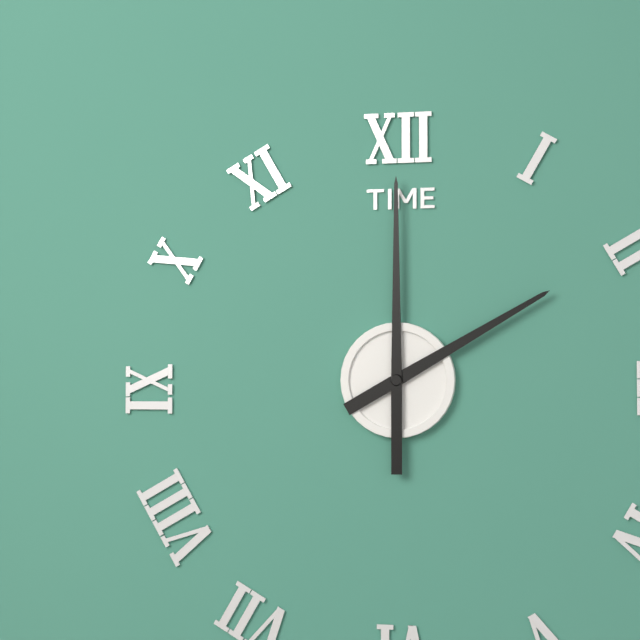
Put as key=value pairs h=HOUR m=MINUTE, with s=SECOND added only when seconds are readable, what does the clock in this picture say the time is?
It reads h=2 m=0
